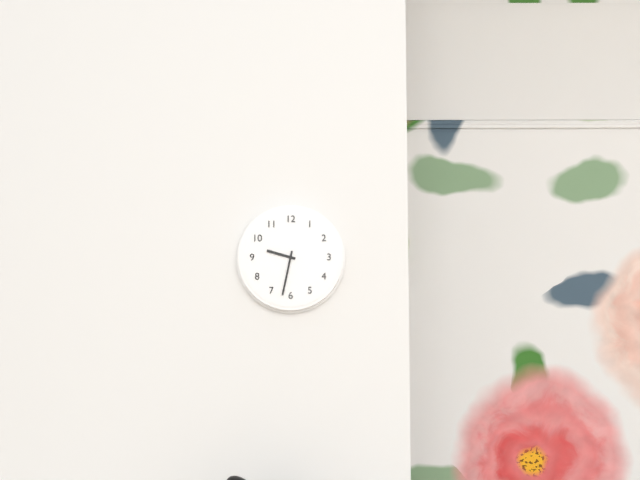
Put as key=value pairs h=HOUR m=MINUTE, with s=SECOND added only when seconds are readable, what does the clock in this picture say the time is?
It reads h=9 m=32
